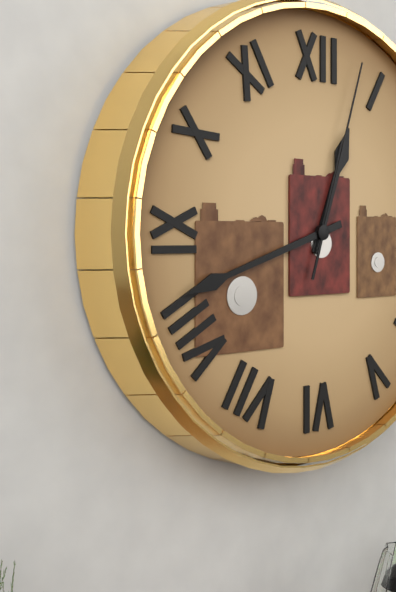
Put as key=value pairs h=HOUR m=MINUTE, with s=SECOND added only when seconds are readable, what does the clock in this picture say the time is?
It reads h=12 m=42 s=3
